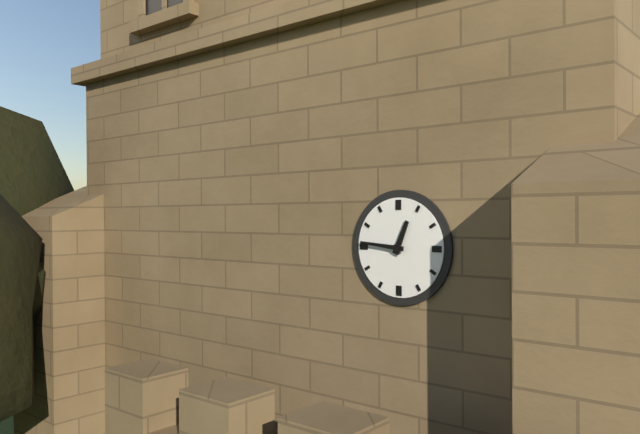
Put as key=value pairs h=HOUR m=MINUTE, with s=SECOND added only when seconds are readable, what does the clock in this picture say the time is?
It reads h=12 m=46
